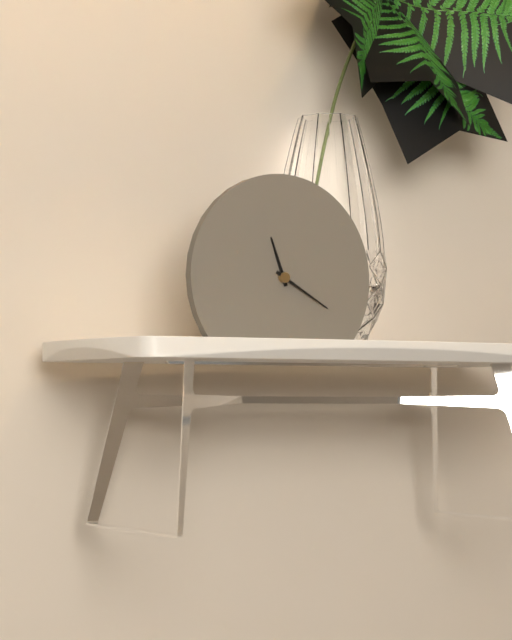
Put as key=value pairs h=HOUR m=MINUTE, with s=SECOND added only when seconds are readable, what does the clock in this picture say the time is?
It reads h=11 m=20
